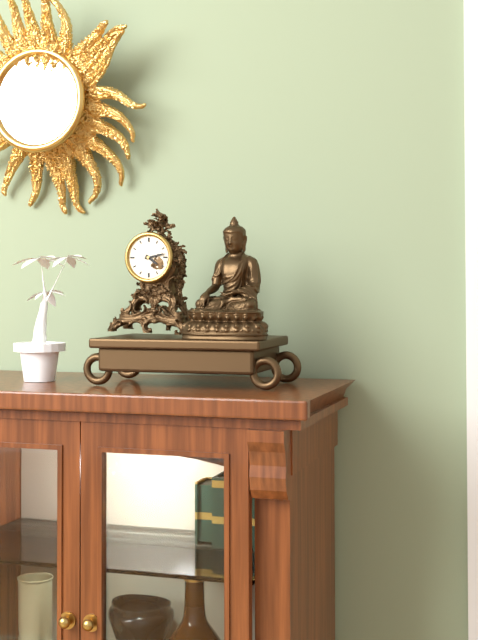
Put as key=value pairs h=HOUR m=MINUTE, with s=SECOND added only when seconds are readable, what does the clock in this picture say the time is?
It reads h=4 m=13
